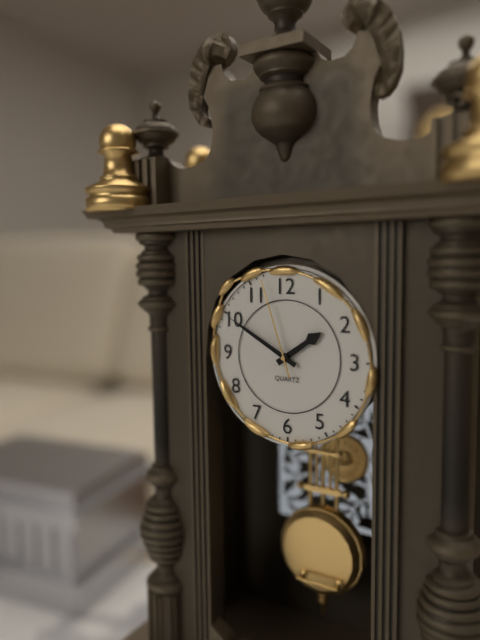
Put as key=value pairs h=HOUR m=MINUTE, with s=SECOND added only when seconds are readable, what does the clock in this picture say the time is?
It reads h=1 m=50 s=57
